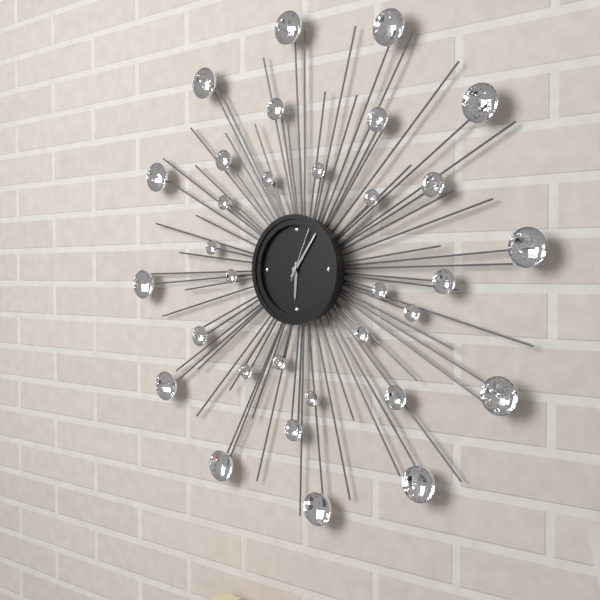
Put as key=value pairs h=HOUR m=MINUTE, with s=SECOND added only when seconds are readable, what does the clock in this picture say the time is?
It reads h=6 m=6 s=4
